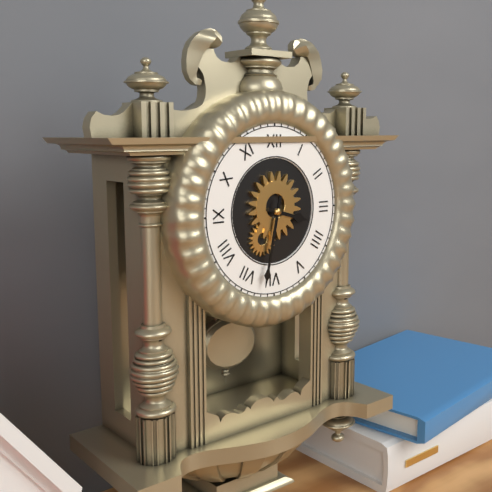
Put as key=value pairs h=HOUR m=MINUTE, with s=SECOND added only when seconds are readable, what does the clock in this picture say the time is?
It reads h=3 m=32
